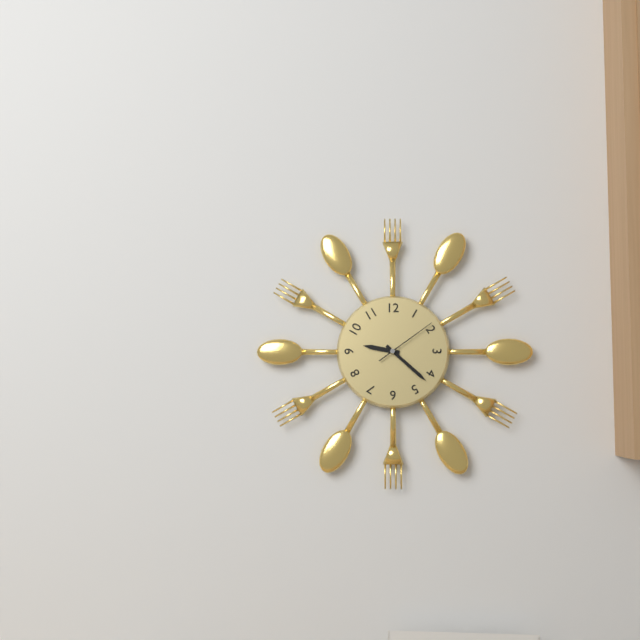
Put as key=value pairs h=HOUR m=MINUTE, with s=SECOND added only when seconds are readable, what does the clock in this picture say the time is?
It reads h=9 m=22 s=9
